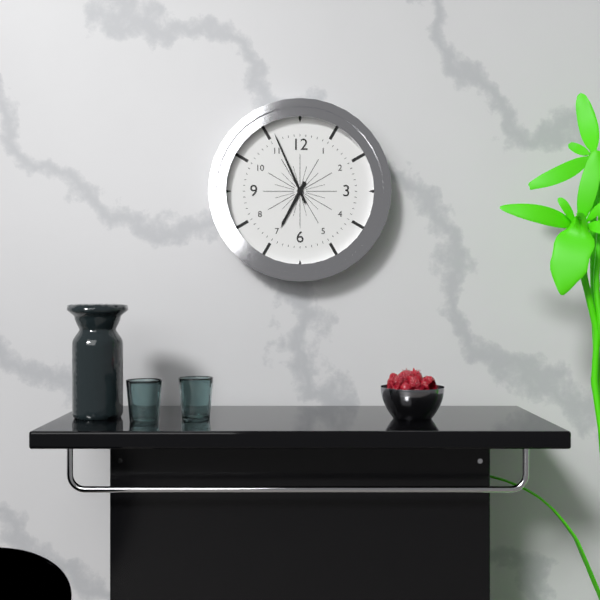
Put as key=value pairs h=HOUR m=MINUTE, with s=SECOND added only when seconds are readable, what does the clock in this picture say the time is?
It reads h=6 m=56
